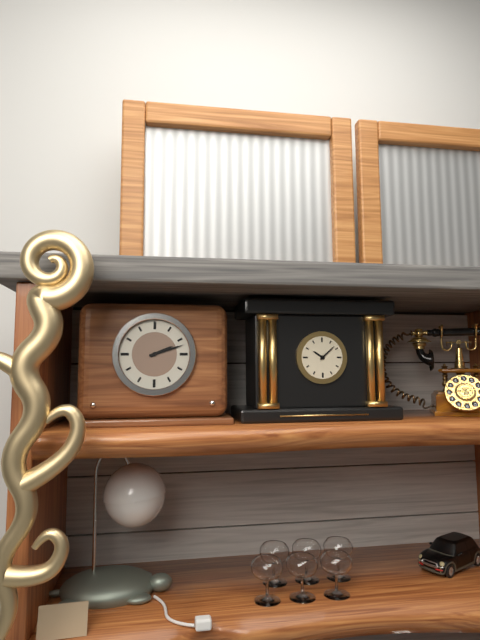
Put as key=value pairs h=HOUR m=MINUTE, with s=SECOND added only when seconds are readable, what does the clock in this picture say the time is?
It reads h=2 m=12
